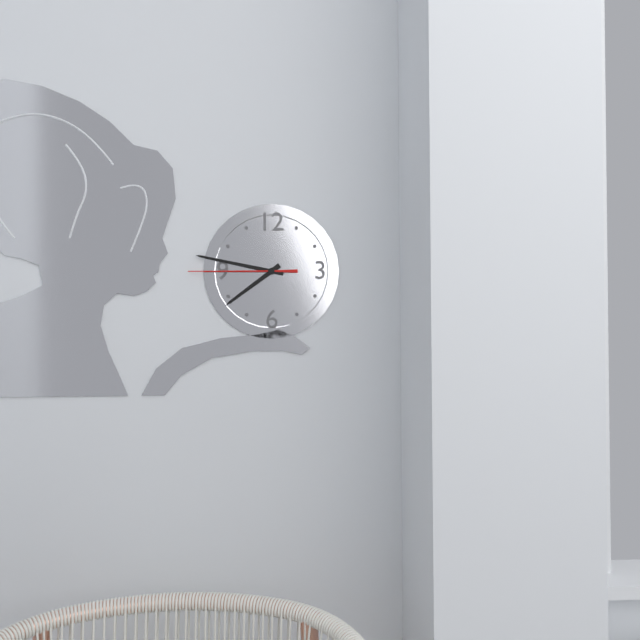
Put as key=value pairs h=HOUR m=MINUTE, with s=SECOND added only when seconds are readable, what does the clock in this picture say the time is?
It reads h=7 m=47 s=45
